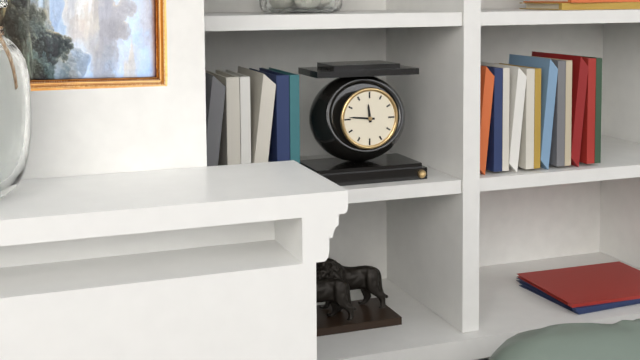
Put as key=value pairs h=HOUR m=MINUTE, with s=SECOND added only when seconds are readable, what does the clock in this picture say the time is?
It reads h=11 m=46
